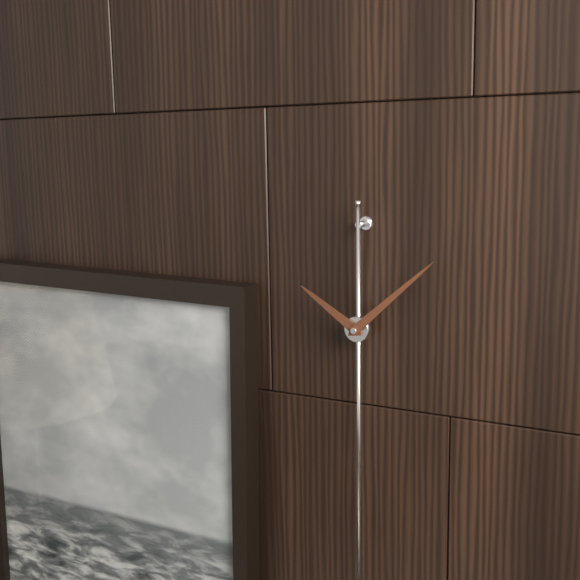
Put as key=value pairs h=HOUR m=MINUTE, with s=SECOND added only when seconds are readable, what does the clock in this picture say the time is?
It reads h=10 m=8
